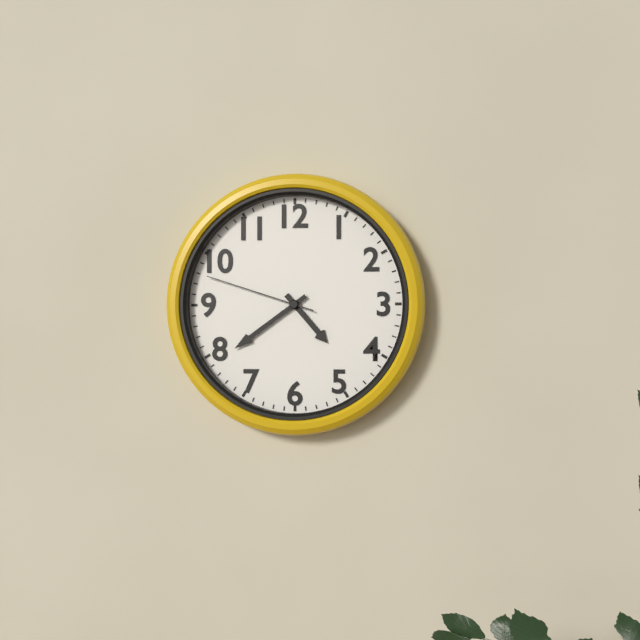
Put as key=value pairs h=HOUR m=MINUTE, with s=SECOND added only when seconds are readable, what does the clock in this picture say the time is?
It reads h=4 m=39 s=48
